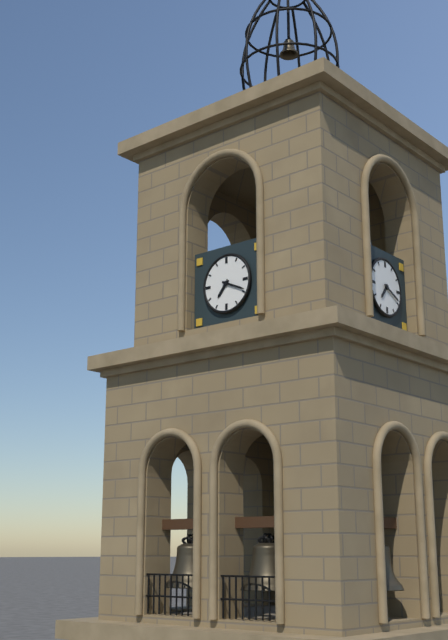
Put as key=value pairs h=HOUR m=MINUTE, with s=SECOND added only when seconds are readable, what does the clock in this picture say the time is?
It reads h=7 m=19
